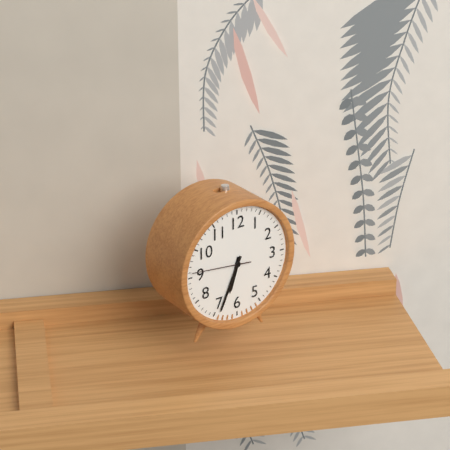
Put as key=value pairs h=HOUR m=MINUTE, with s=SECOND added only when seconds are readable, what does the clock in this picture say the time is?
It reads h=6 m=34 s=46
